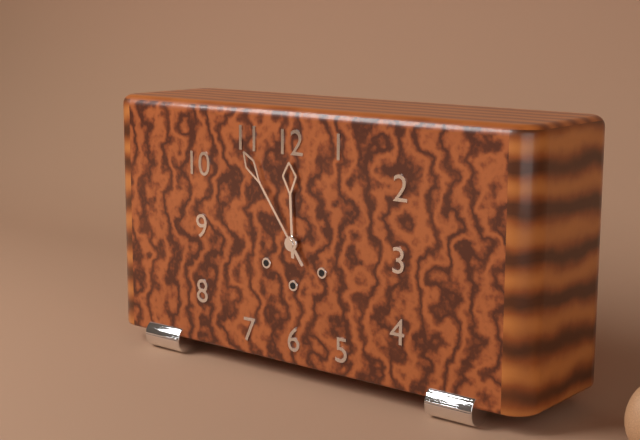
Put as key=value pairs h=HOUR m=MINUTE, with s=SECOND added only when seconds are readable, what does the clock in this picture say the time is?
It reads h=11 m=54
